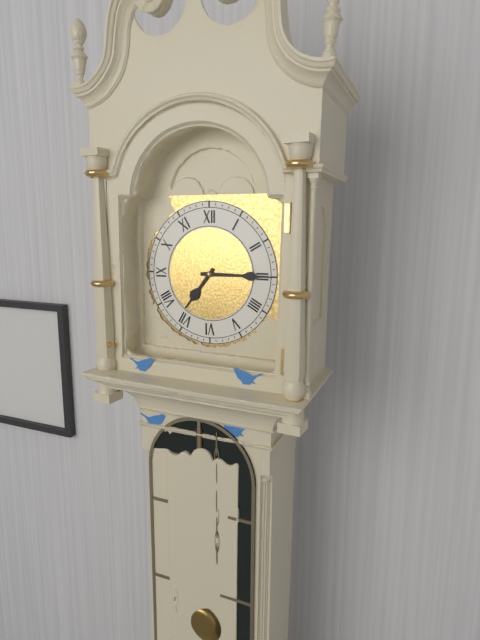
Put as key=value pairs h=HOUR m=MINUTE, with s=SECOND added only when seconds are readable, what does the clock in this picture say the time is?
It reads h=7 m=15
